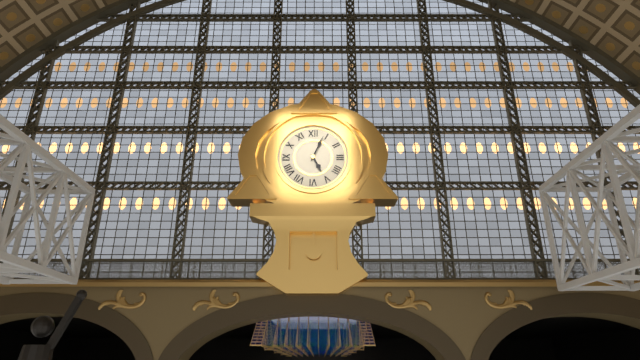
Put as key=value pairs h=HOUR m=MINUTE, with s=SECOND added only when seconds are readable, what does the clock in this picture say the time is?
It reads h=5 m=4
